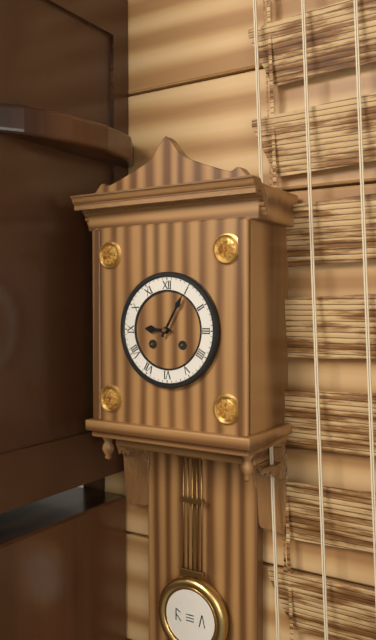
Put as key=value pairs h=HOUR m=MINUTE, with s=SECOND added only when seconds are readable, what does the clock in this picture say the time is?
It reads h=9 m=5
